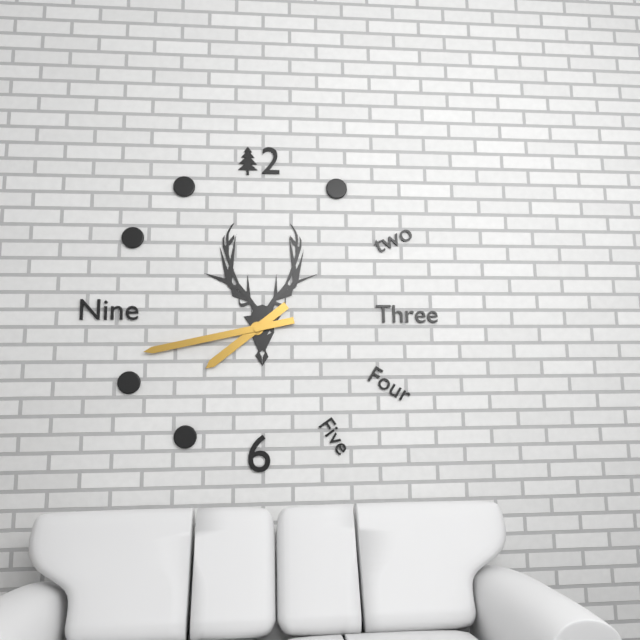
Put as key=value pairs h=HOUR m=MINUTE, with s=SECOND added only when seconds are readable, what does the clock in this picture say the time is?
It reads h=7 m=43
